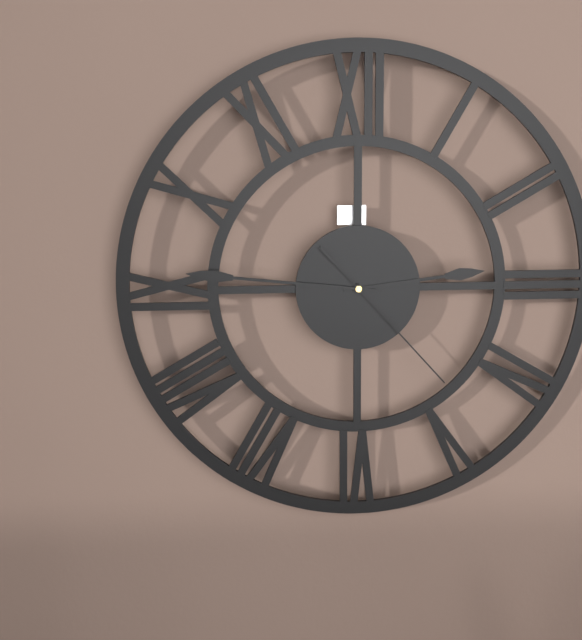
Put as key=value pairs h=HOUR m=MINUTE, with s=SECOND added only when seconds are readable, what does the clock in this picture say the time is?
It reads h=2 m=46 s=23
